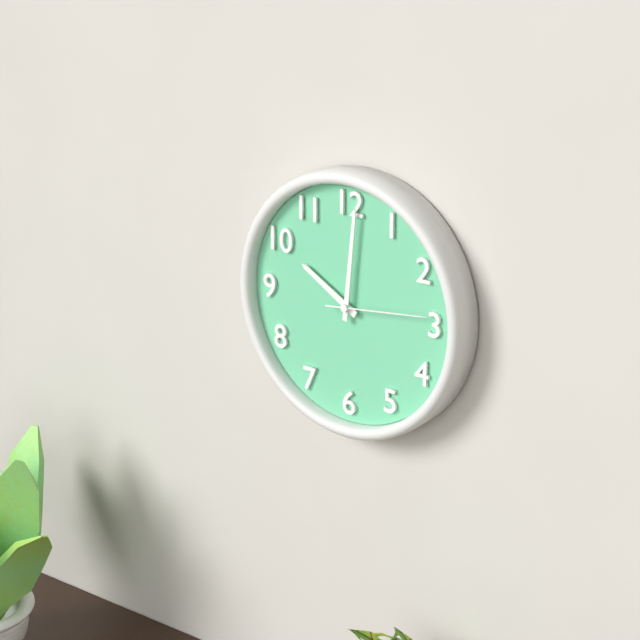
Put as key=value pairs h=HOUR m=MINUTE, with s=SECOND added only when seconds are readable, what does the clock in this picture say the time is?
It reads h=10 m=1 s=14
